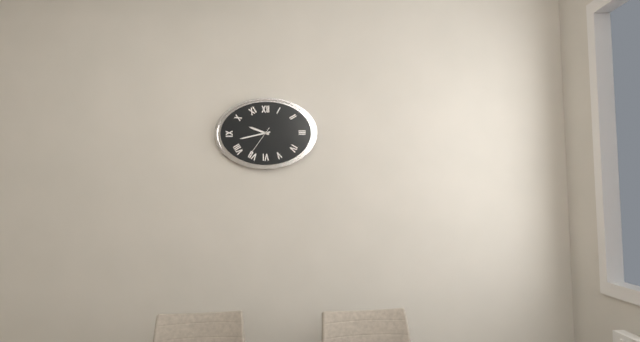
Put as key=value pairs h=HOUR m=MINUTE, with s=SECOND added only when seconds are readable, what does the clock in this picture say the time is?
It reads h=9 m=43
